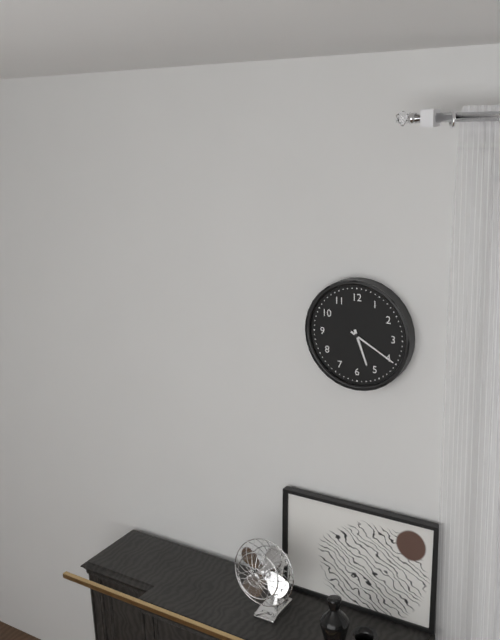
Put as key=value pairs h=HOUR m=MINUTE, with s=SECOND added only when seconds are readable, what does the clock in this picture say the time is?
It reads h=5 m=20
